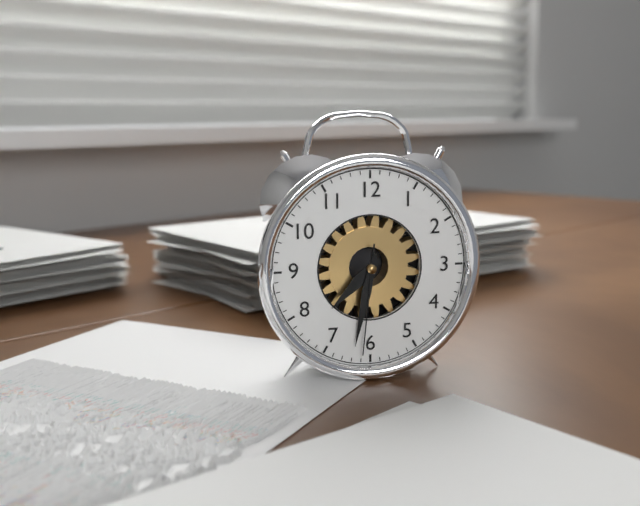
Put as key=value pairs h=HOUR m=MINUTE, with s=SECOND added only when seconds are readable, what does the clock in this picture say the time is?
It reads h=7 m=32 s=31
